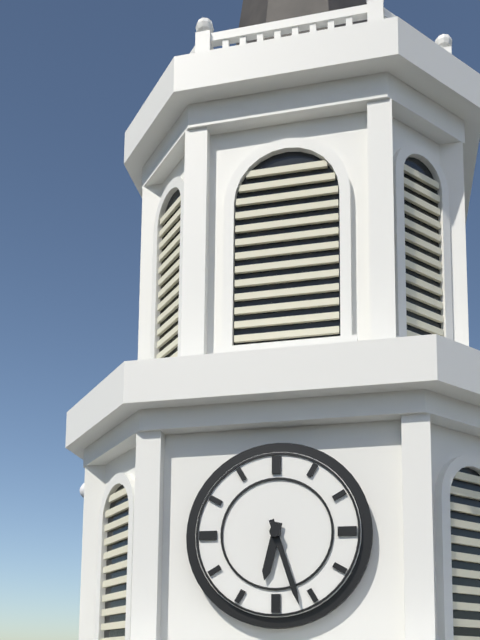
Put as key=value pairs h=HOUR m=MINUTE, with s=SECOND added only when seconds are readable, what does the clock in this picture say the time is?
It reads h=6 m=27
